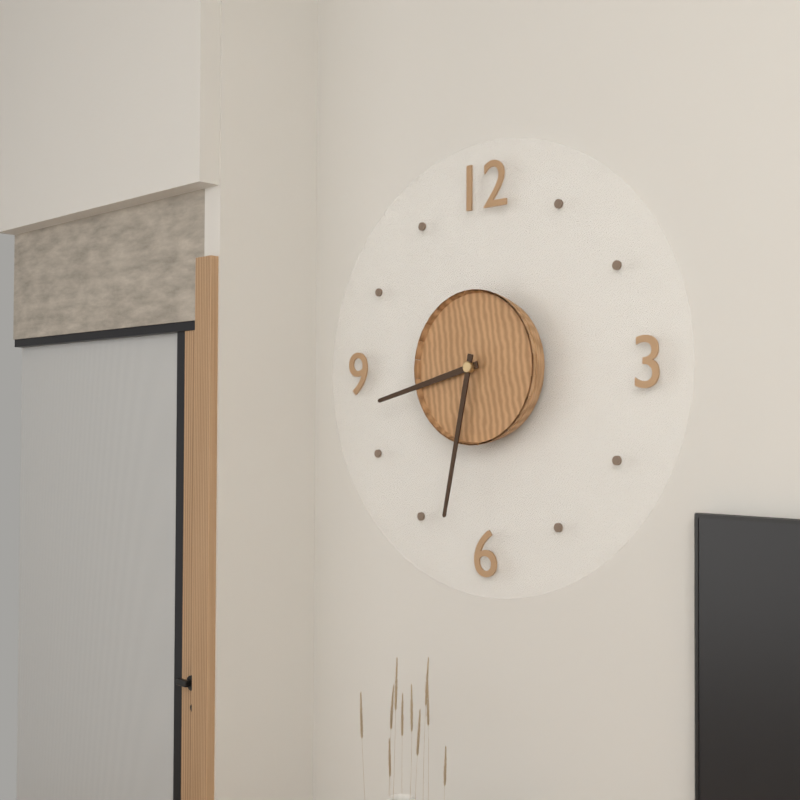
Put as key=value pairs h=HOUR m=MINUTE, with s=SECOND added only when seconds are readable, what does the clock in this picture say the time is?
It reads h=8 m=32
